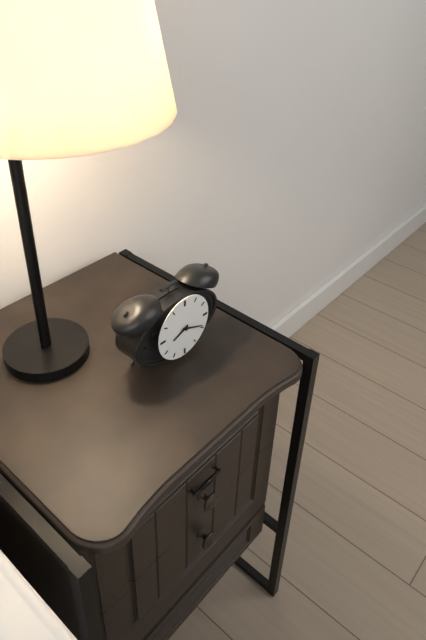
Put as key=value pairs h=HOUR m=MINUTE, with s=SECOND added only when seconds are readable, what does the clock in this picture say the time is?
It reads h=8 m=19
